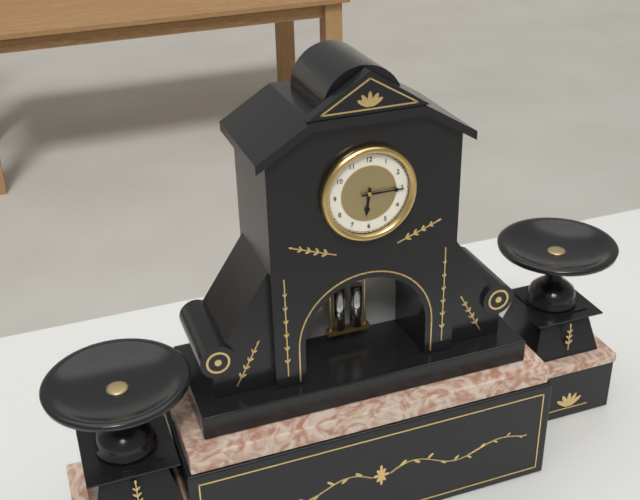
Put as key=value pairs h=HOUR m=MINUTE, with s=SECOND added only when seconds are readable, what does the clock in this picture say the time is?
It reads h=6 m=15
